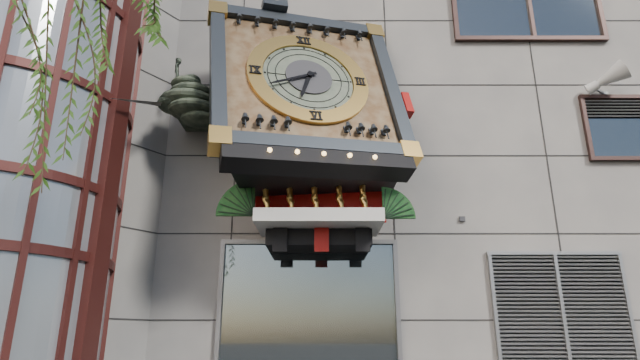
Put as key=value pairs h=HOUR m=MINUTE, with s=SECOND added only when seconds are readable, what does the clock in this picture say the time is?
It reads h=6 m=41
